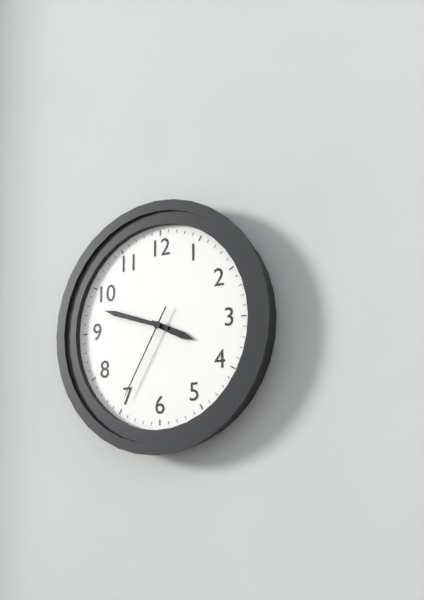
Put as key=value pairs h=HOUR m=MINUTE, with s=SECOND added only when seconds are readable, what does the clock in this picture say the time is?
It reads h=3 m=48 s=35
